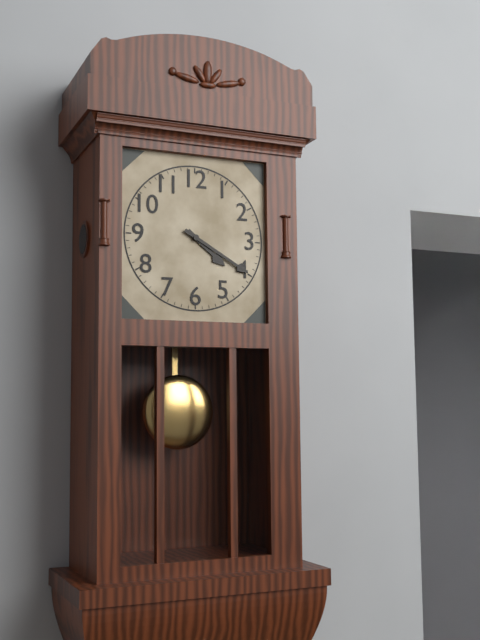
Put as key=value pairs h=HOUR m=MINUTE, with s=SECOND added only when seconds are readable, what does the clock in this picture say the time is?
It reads h=4 m=20
